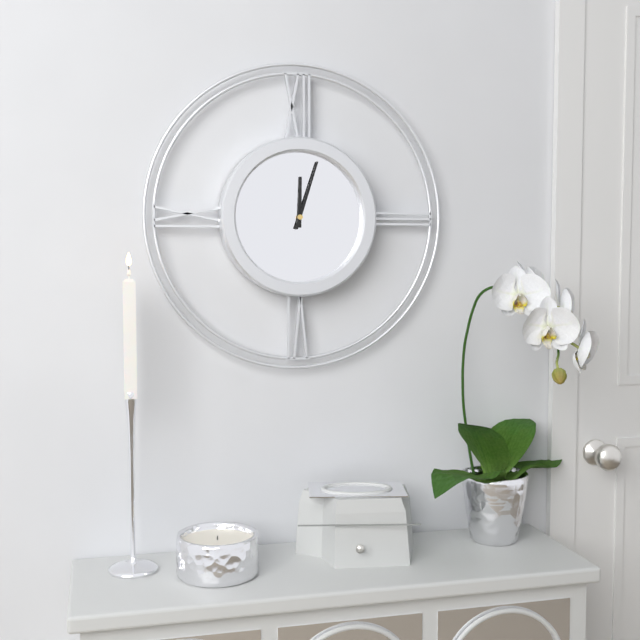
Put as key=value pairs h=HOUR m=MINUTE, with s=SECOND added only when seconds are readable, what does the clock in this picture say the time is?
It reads h=12 m=3
